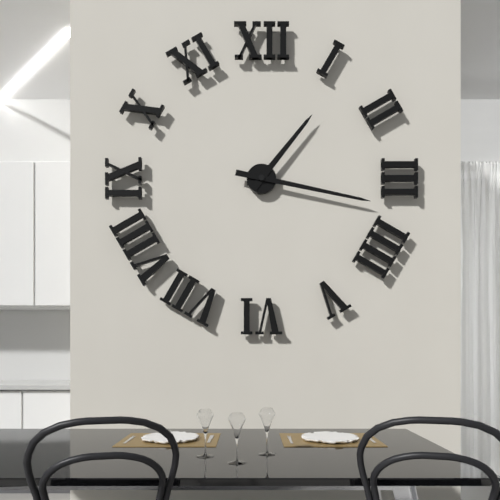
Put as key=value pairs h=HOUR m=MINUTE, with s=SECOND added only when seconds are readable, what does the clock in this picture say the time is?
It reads h=1 m=17
